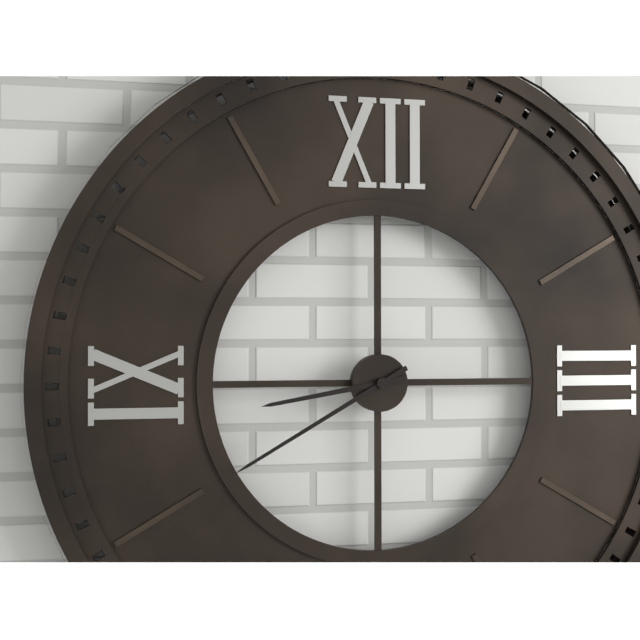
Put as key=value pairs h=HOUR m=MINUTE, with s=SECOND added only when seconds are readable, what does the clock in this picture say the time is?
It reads h=8 m=40
